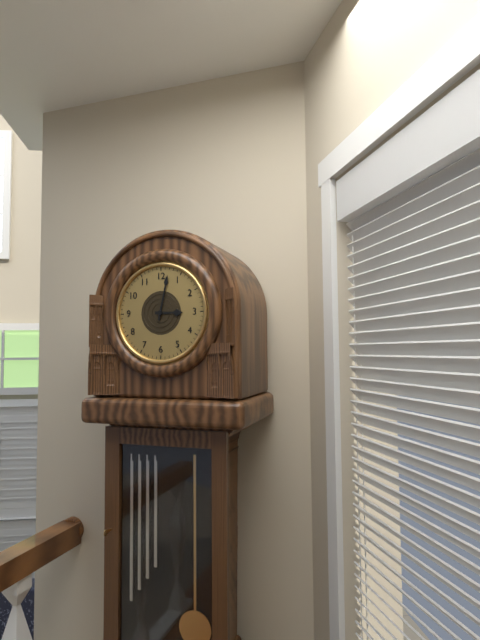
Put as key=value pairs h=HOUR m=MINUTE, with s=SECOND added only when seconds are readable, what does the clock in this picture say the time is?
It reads h=3 m=2
